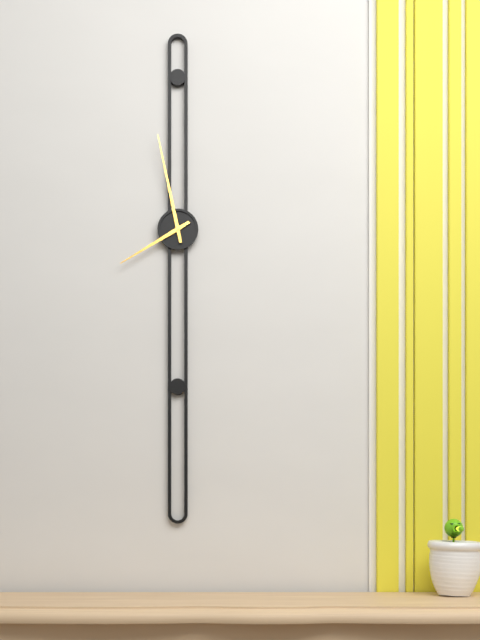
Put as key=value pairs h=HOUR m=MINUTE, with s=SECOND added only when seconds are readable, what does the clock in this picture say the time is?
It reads h=7 m=58
